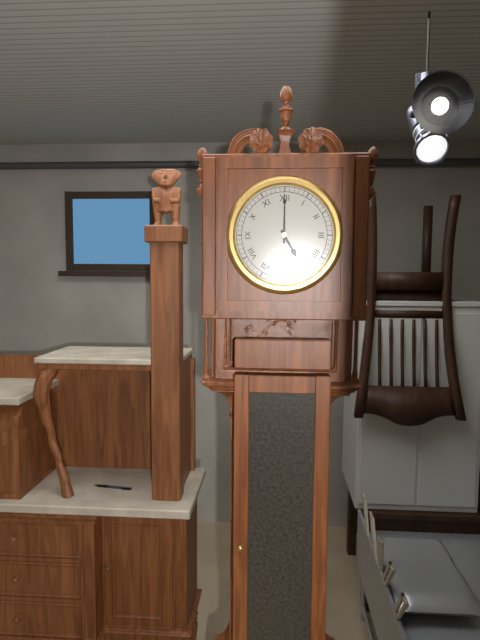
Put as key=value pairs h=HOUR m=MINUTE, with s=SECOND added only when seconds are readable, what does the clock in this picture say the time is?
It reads h=5 m=0
